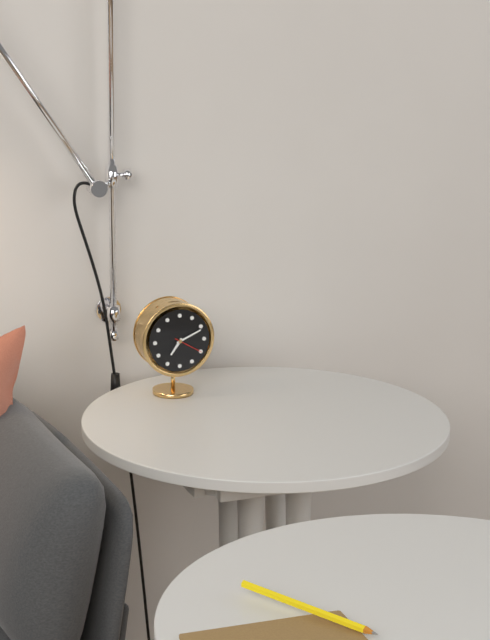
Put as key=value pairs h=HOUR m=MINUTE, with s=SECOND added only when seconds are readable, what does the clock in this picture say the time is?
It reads h=7 m=11
